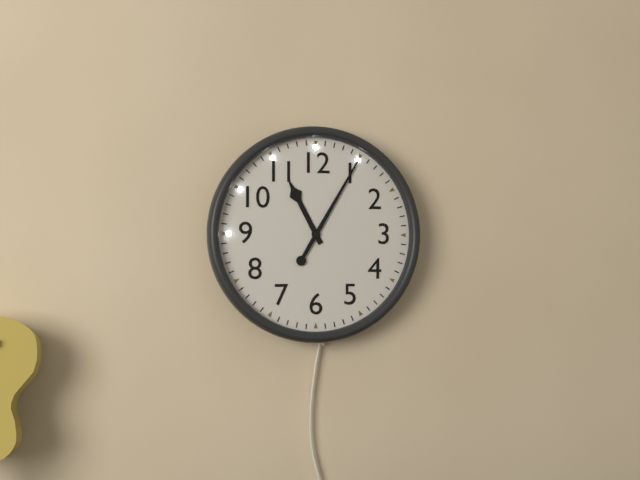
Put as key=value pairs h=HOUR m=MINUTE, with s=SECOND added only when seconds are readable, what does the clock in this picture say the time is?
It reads h=11 m=5
